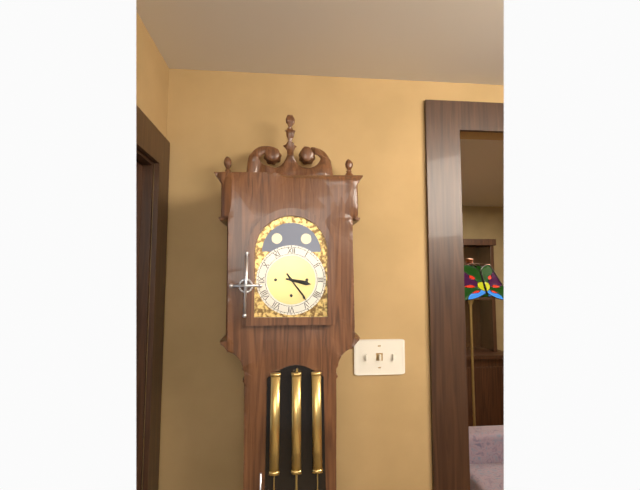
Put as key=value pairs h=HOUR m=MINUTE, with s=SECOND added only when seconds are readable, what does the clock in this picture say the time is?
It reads h=3 m=24
